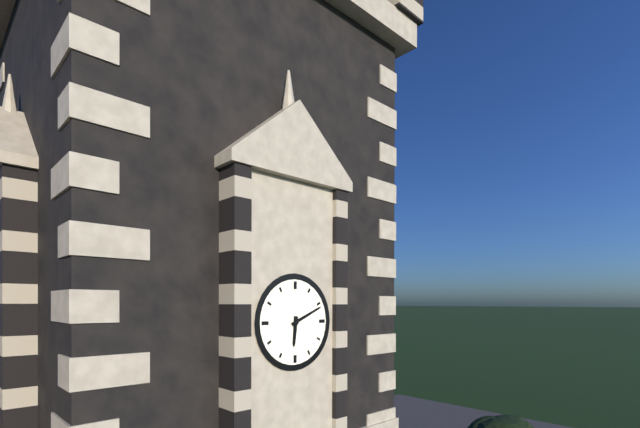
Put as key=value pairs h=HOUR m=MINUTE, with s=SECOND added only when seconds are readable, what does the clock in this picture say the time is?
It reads h=6 m=11
